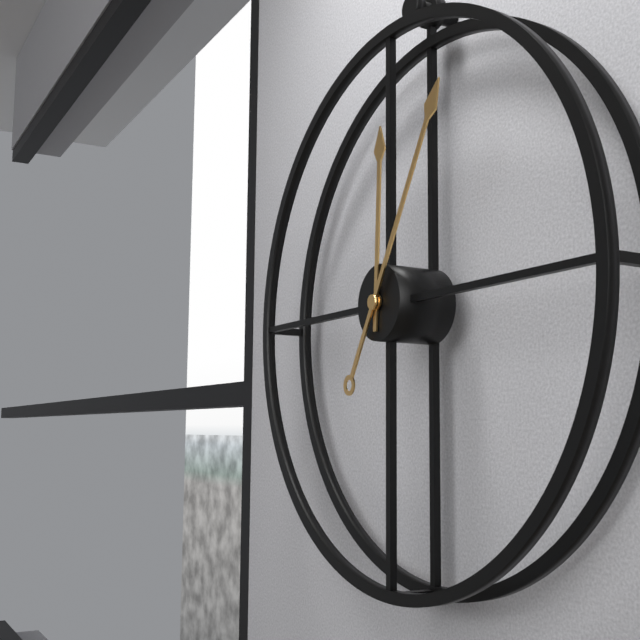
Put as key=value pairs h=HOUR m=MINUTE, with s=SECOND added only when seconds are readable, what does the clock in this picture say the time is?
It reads h=12 m=5
